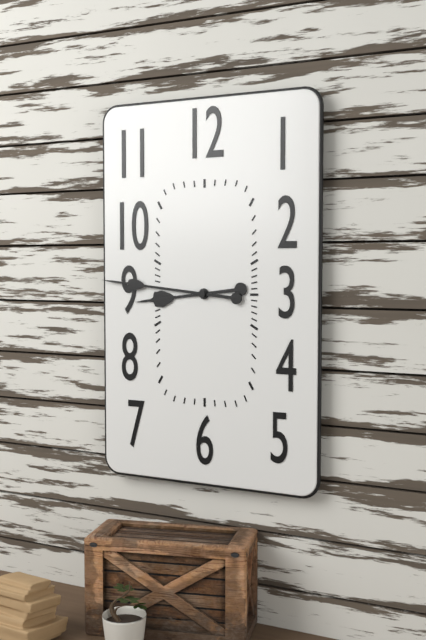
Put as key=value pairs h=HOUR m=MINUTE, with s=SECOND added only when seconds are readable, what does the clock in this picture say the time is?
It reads h=8 m=46
